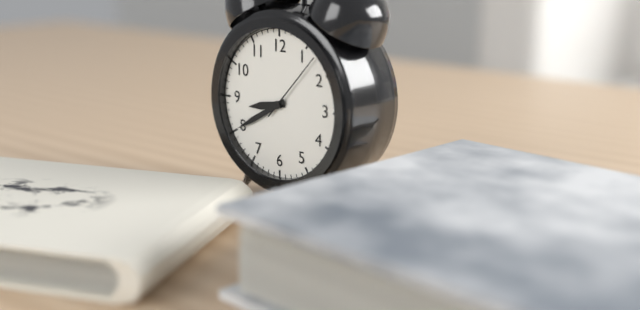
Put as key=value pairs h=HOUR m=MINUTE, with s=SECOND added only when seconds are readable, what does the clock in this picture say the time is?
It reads h=8 m=40 s=7
